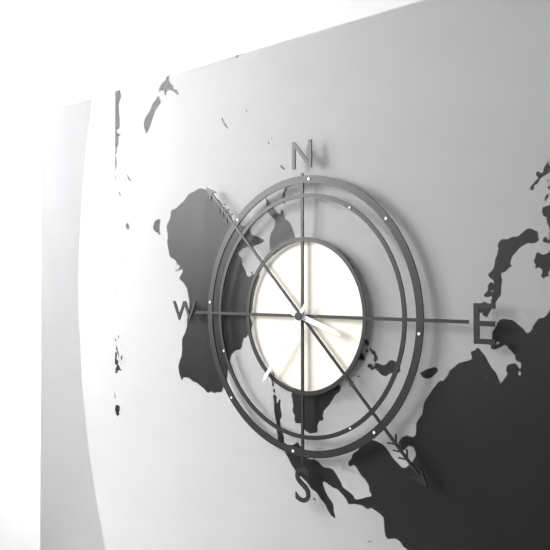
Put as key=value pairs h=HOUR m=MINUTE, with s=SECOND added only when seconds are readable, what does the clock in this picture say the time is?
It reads h=3 m=36
